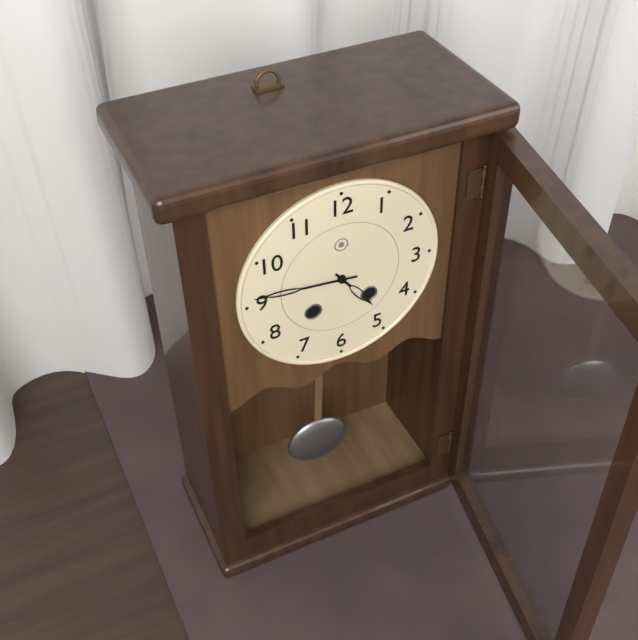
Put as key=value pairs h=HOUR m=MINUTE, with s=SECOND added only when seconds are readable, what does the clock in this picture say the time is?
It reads h=4 m=46
